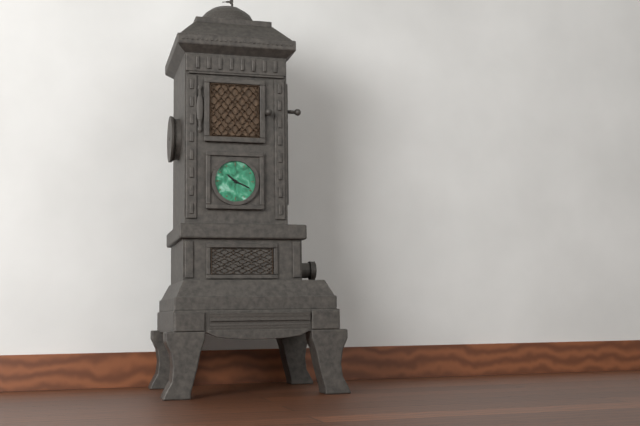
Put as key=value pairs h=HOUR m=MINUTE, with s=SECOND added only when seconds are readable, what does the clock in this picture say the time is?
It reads h=10 m=19
